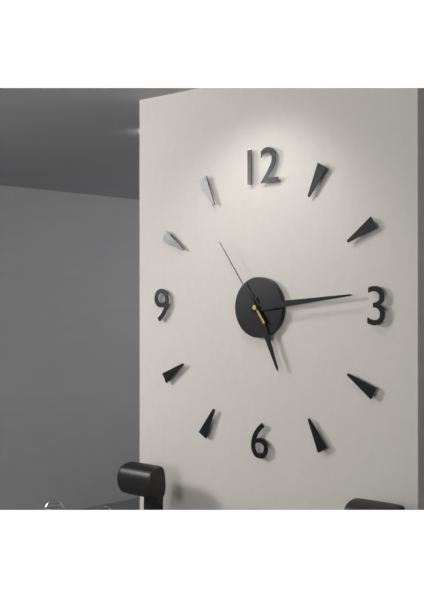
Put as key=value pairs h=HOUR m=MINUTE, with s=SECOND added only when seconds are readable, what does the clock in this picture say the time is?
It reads h=5 m=14 s=54
